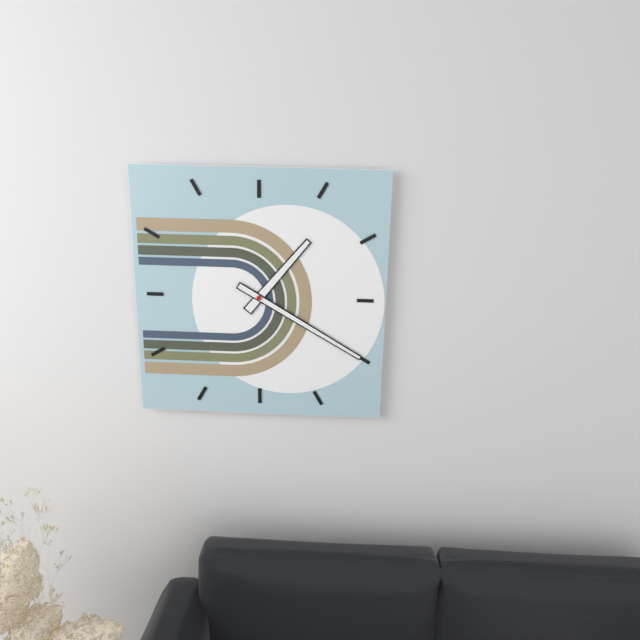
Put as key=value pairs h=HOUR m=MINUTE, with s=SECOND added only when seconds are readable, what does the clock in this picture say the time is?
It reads h=1 m=20
